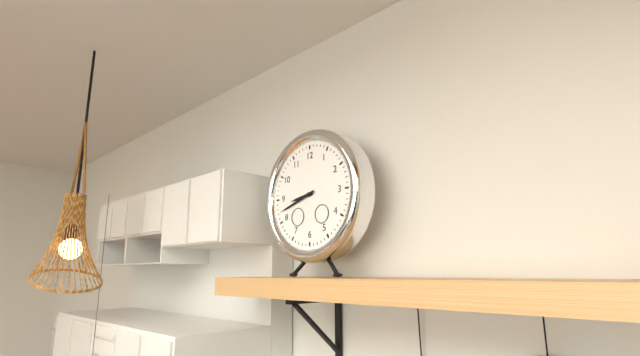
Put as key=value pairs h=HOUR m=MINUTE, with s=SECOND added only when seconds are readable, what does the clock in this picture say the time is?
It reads h=8 m=42
